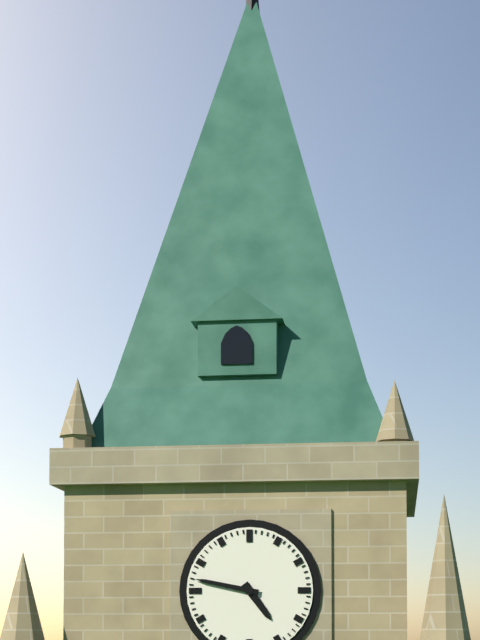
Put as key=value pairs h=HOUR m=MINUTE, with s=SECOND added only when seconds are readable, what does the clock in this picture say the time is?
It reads h=4 m=47
